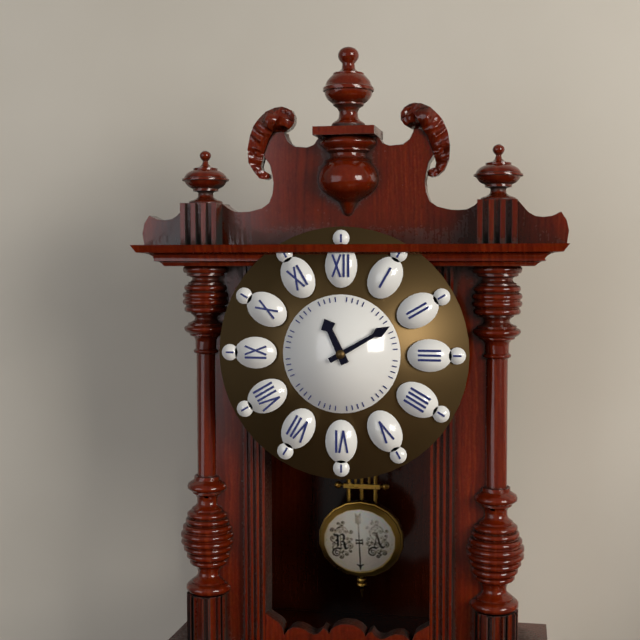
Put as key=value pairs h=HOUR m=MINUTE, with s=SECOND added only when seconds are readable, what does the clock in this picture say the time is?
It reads h=11 m=10
